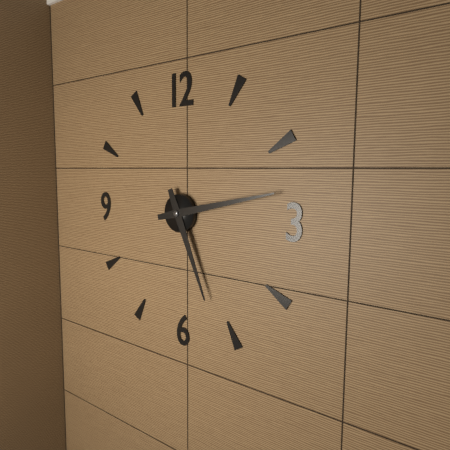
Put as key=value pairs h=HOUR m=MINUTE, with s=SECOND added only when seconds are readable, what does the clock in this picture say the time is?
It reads h=5 m=13
